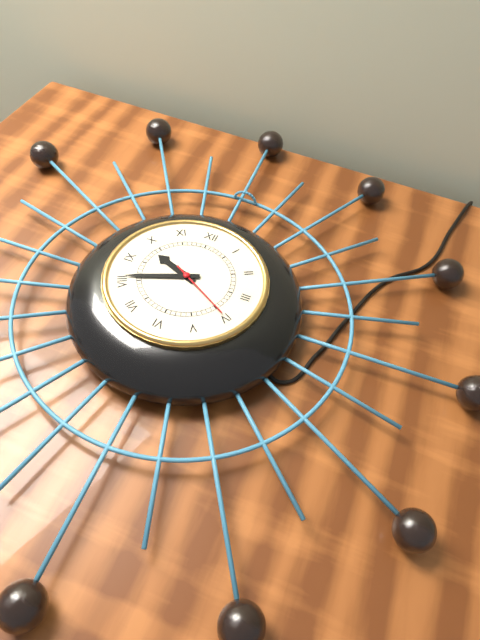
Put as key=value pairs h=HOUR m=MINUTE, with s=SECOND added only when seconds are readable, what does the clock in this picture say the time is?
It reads h=9 m=41 s=20
